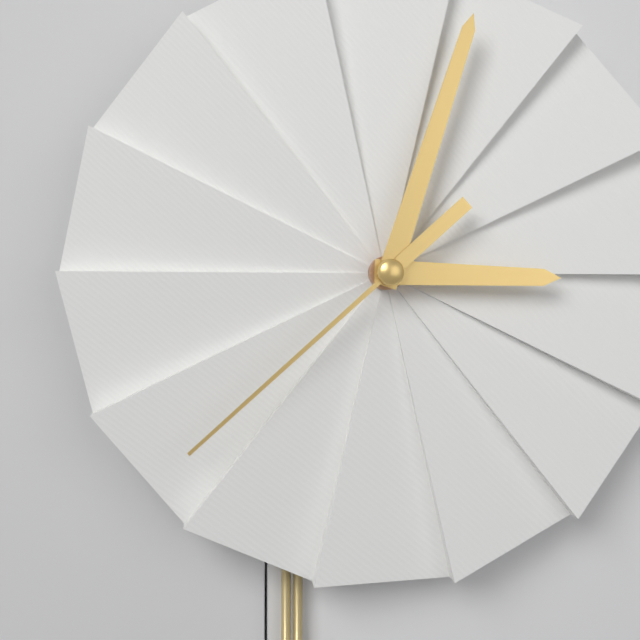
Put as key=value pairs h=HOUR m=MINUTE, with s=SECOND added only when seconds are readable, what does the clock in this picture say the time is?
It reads h=3 m=3 s=38
